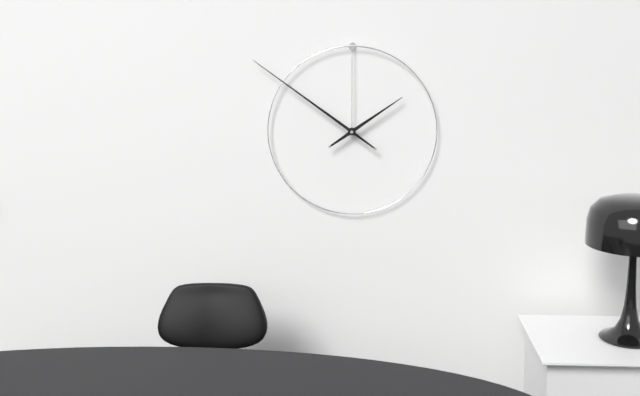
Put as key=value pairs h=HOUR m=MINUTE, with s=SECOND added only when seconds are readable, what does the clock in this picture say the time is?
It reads h=1 m=51
